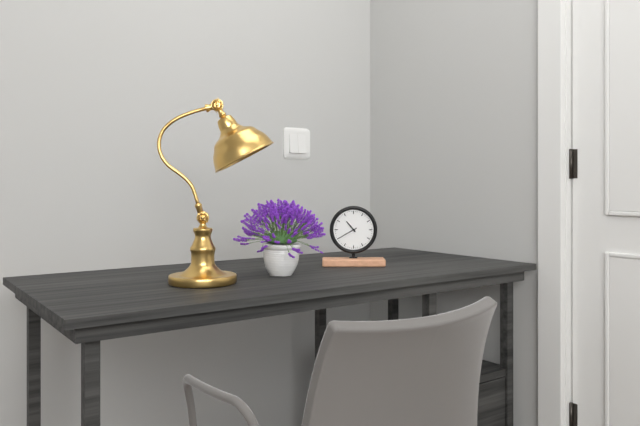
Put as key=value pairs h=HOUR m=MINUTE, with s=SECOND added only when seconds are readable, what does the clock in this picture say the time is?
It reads h=10 m=40
